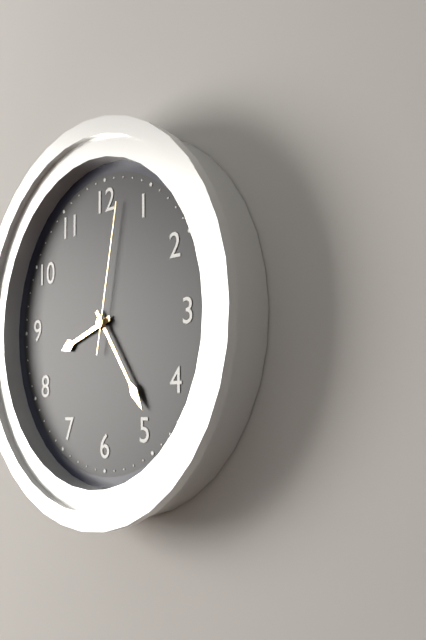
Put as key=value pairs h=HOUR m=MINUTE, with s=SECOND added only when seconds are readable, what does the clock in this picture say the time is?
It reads h=8 m=24 s=2
